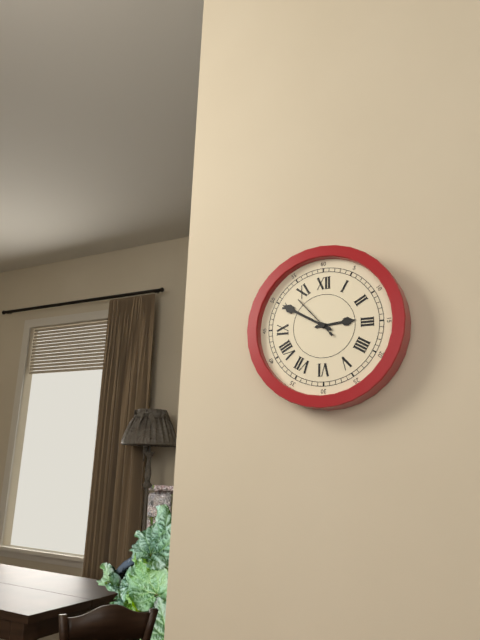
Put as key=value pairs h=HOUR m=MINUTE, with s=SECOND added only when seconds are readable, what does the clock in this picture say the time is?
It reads h=2 m=50
